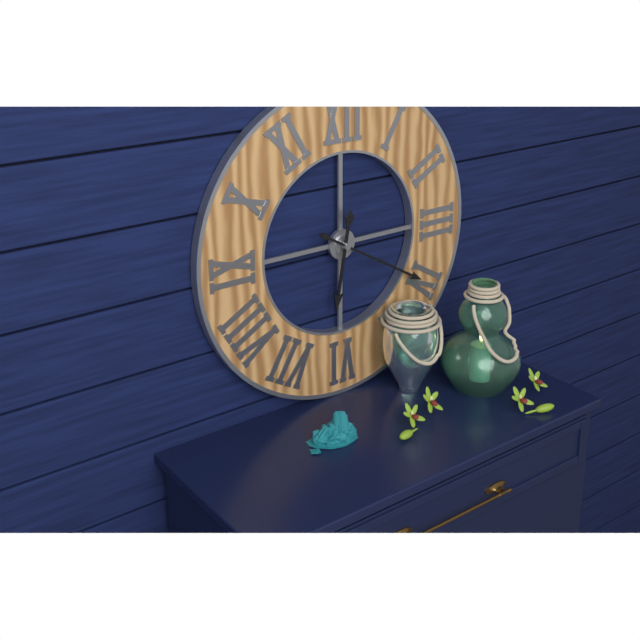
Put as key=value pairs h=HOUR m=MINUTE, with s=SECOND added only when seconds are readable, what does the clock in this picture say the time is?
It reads h=6 m=20
